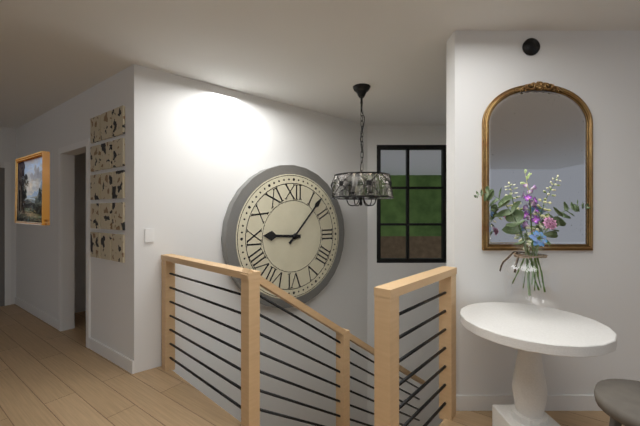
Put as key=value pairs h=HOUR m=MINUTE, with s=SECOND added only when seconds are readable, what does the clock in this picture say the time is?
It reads h=9 m=7
